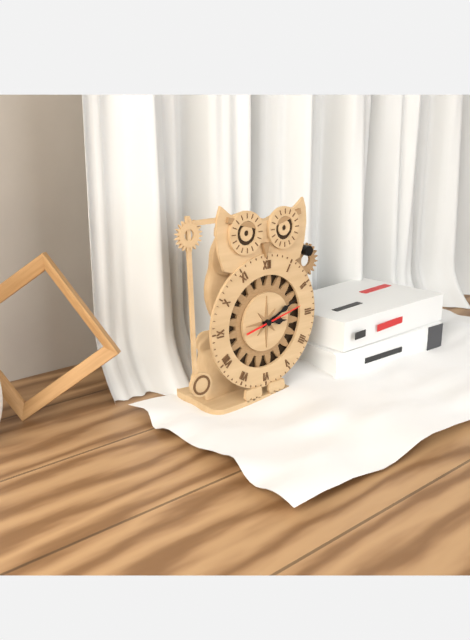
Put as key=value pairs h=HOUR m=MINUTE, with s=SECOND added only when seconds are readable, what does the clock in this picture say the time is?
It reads h=3 m=11 s=13
